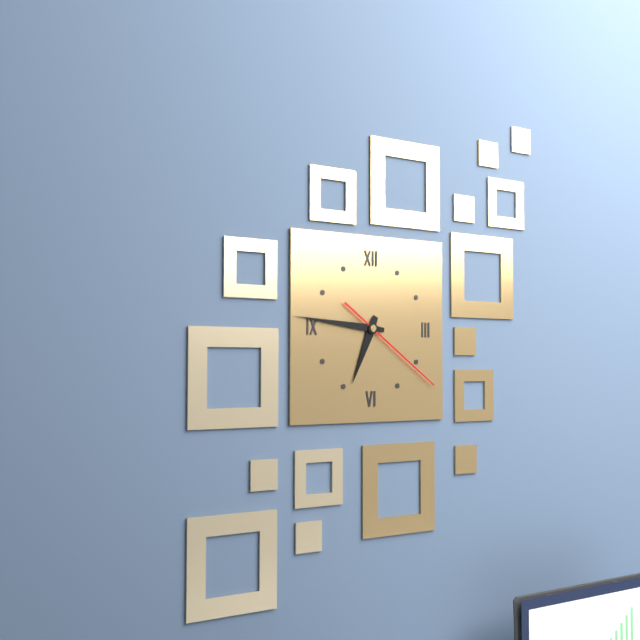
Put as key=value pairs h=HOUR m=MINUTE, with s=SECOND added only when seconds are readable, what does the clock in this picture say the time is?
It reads h=6 m=46 s=21
